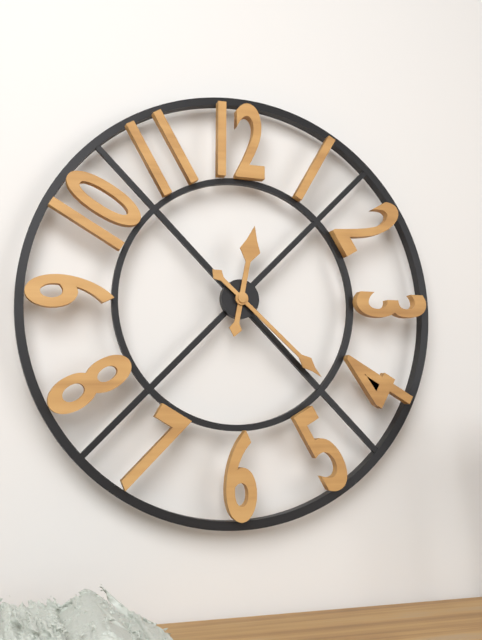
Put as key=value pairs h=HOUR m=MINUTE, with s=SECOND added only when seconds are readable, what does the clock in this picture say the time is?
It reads h=12 m=22
